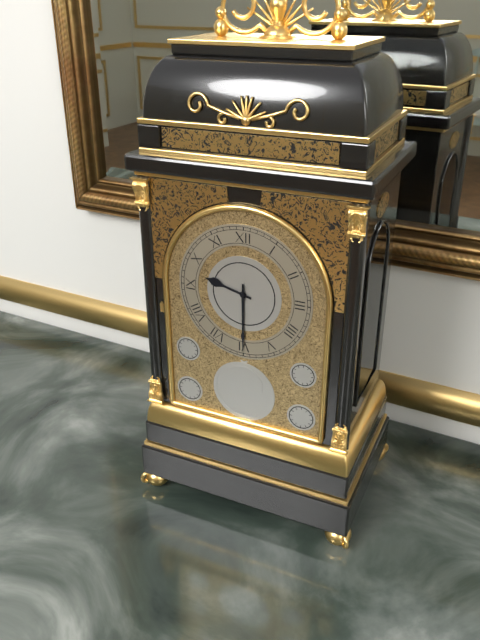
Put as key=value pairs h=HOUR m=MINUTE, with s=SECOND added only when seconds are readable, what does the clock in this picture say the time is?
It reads h=9 m=30
